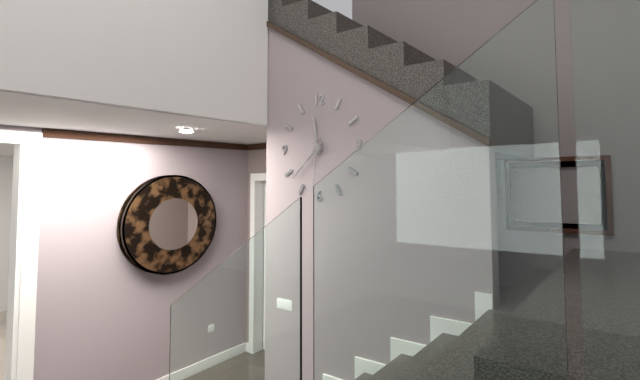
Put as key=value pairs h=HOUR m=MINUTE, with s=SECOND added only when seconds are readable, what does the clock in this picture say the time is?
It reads h=11 m=38 s=31
